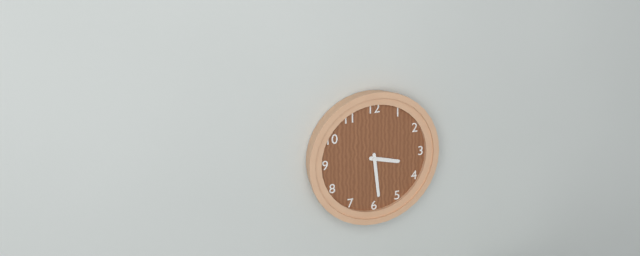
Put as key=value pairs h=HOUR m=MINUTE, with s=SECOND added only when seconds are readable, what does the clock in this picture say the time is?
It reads h=3 m=29
